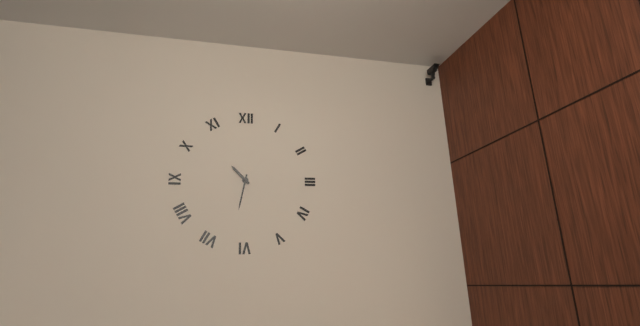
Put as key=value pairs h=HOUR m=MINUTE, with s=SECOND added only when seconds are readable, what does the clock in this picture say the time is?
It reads h=10 m=32
